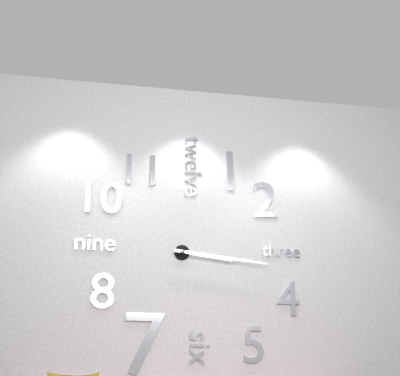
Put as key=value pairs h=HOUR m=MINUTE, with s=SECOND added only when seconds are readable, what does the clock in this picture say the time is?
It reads h=3 m=16
